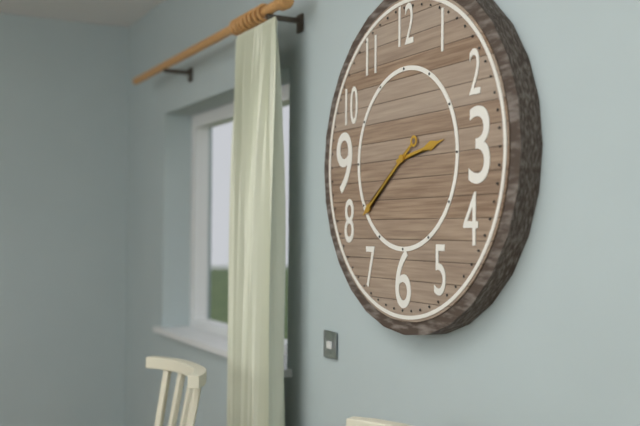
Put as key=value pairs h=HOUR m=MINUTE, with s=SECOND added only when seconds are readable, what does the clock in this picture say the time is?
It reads h=2 m=39
